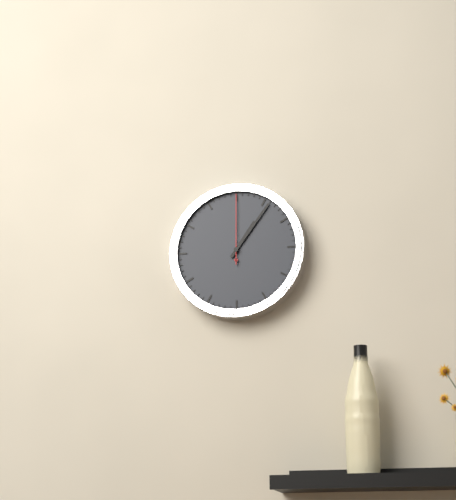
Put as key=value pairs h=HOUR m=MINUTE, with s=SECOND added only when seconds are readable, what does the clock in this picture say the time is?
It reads h=1 m=6 s=0
